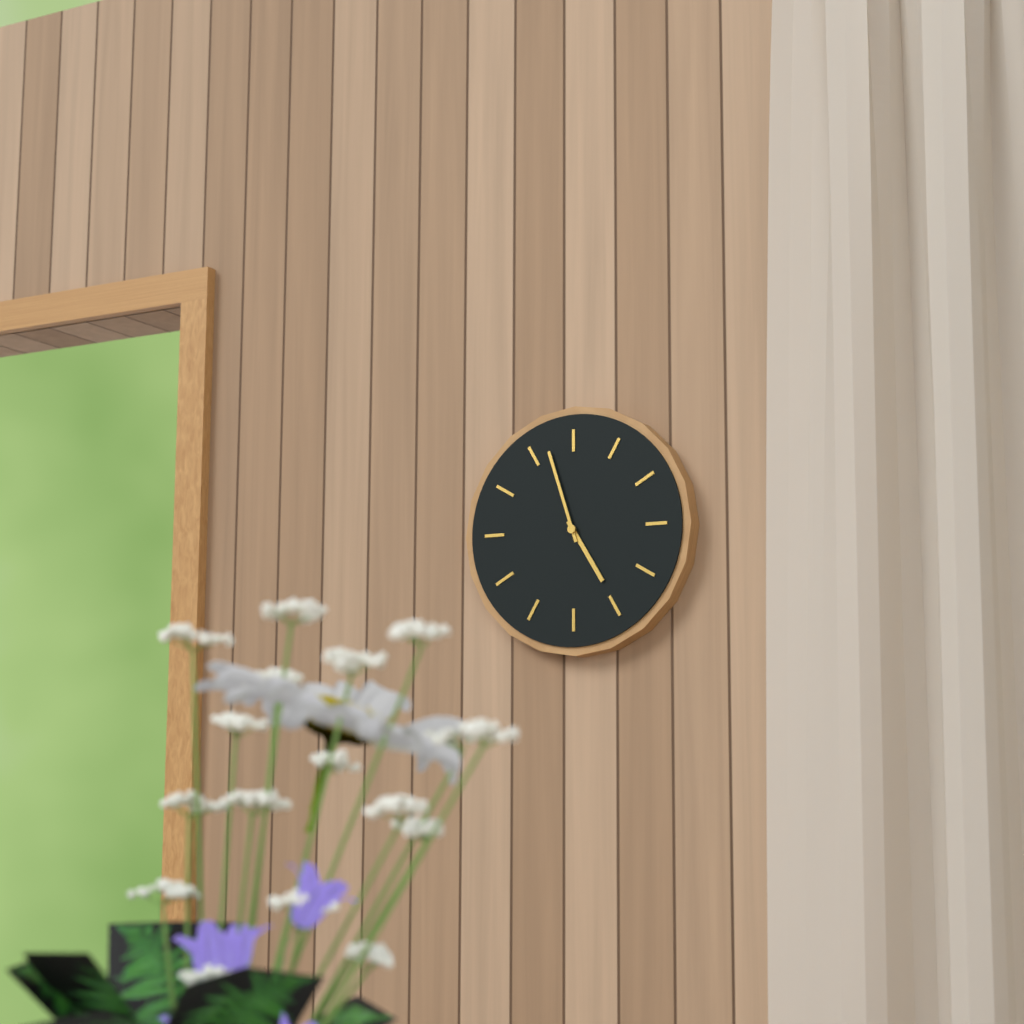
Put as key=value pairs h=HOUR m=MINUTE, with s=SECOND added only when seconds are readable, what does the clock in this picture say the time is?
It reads h=4 m=57
